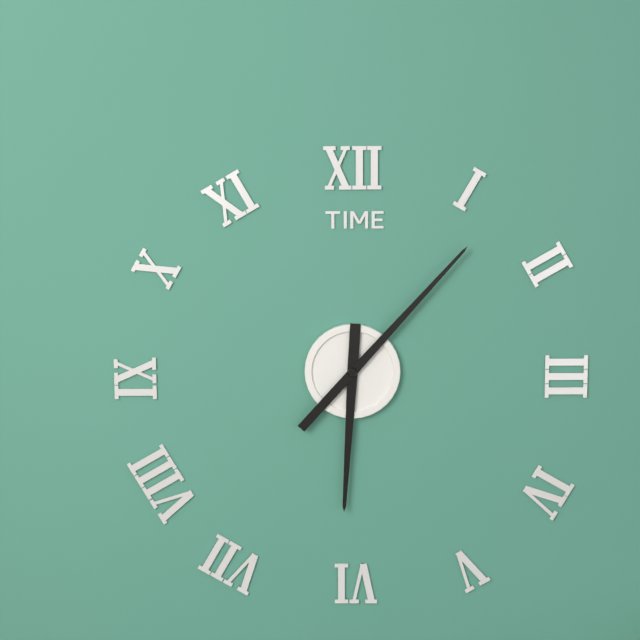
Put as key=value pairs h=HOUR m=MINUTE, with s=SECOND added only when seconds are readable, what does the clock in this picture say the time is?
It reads h=6 m=7
